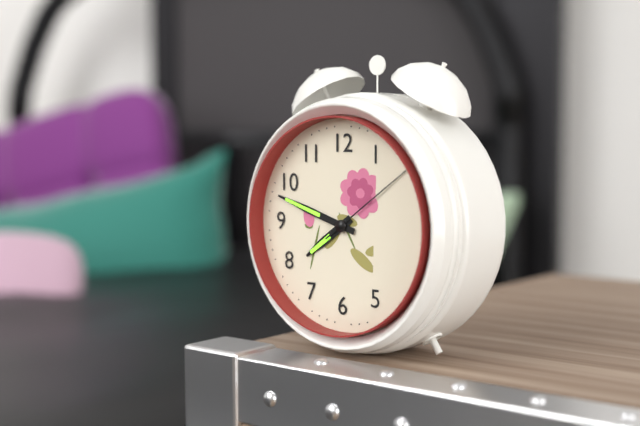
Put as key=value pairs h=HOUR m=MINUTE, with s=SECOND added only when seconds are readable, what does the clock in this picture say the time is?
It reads h=7 m=48 s=9
